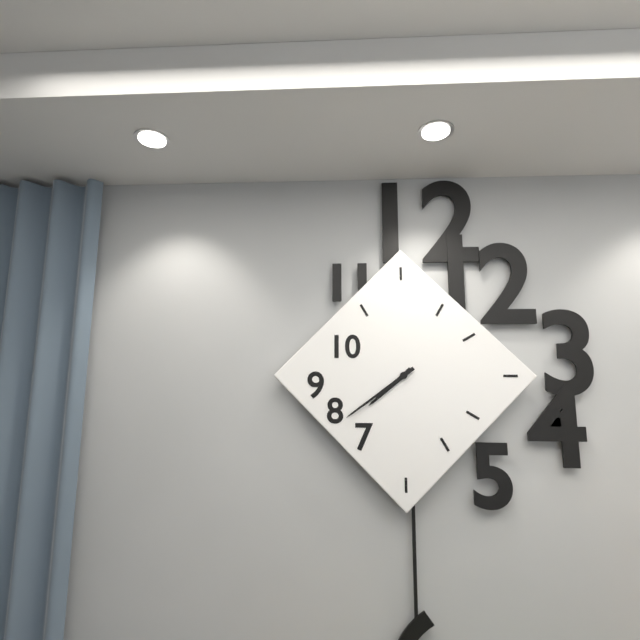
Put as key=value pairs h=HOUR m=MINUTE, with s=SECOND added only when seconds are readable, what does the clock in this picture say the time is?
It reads h=7 m=39
